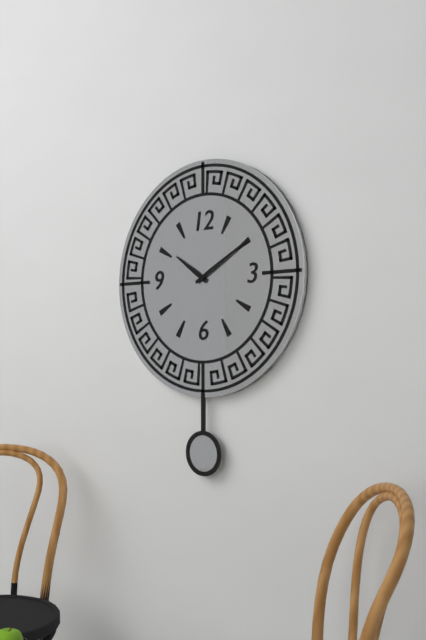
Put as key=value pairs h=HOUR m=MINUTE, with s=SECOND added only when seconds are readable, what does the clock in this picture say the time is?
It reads h=10 m=10
